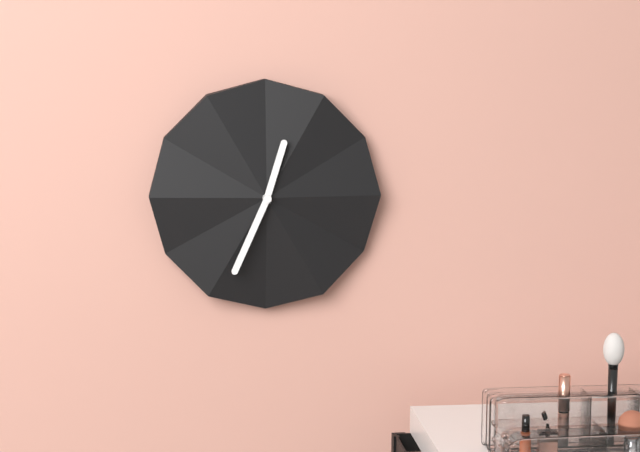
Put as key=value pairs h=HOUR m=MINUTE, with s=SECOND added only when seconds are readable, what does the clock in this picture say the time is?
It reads h=12 m=34
